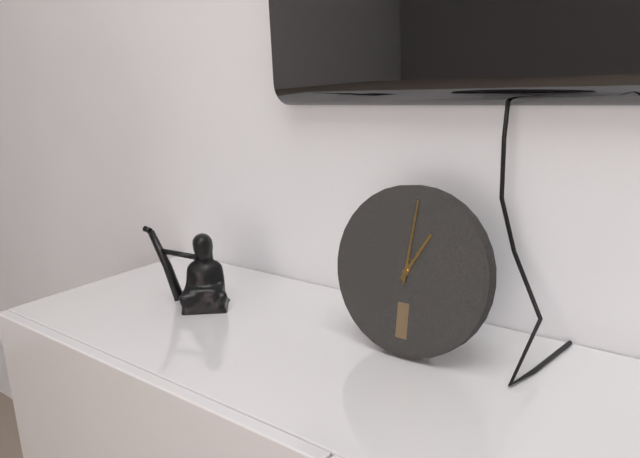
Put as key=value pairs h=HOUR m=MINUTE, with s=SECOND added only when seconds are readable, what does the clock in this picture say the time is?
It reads h=1 m=1
